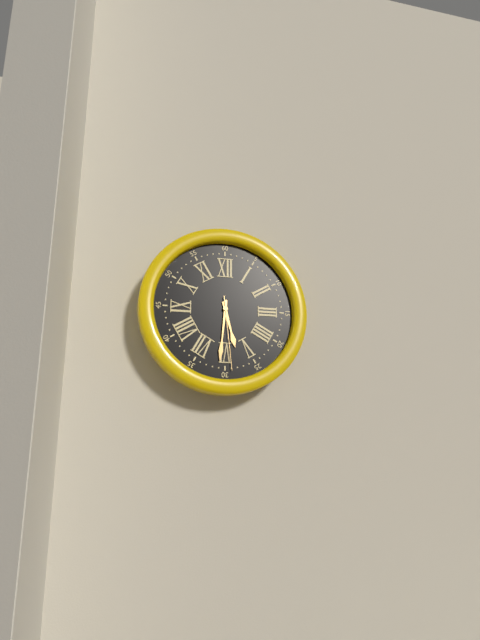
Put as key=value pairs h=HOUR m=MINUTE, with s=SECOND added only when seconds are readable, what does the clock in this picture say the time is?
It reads h=5 m=31 s=29
